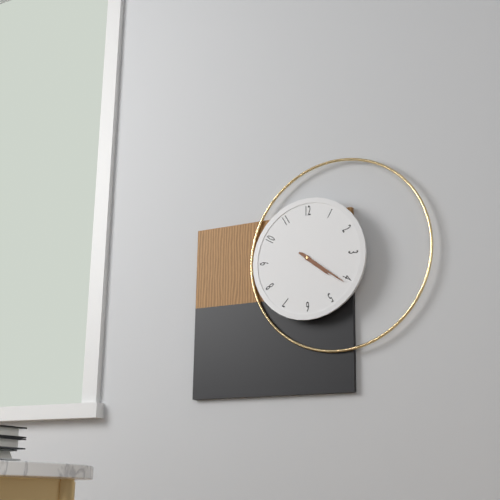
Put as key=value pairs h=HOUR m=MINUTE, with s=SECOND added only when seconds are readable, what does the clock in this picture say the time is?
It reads h=4 m=21
